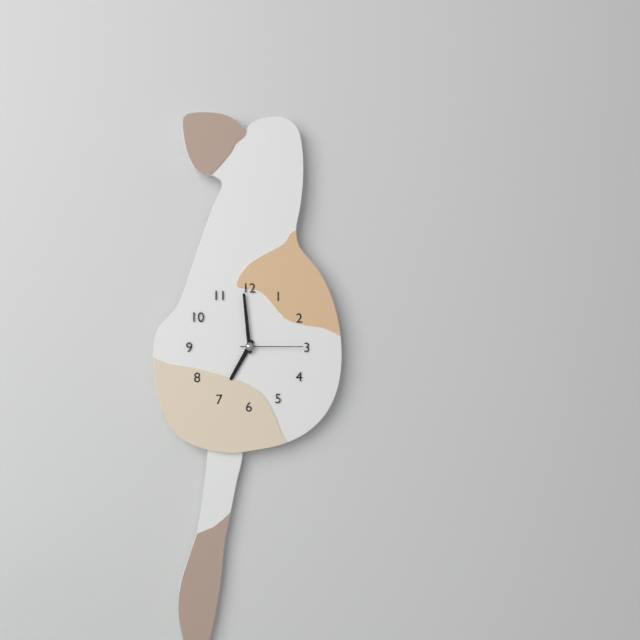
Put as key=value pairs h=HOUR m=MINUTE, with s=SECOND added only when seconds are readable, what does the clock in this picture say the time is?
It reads h=6 m=59 s=15
